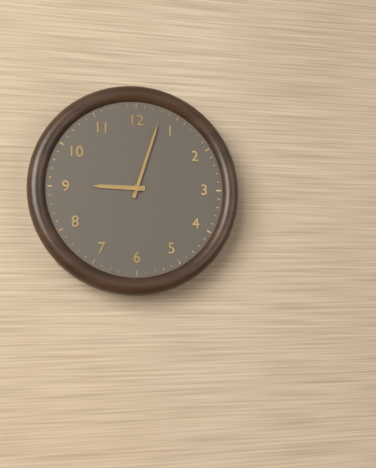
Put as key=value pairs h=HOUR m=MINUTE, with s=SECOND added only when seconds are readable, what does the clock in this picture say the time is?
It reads h=9 m=3
